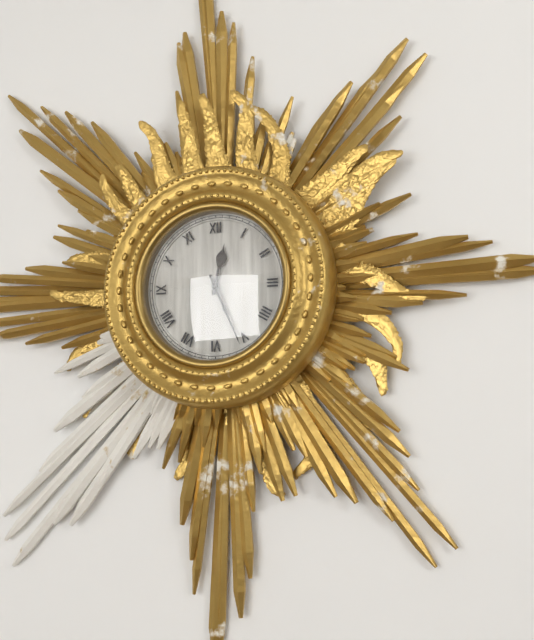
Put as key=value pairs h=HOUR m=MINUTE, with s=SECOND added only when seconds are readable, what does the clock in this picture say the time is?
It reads h=12 m=26
